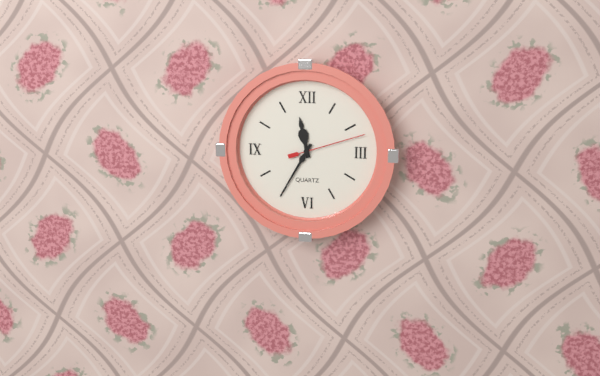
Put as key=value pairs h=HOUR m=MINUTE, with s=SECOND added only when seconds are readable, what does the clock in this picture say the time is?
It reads h=11 m=35 s=12
